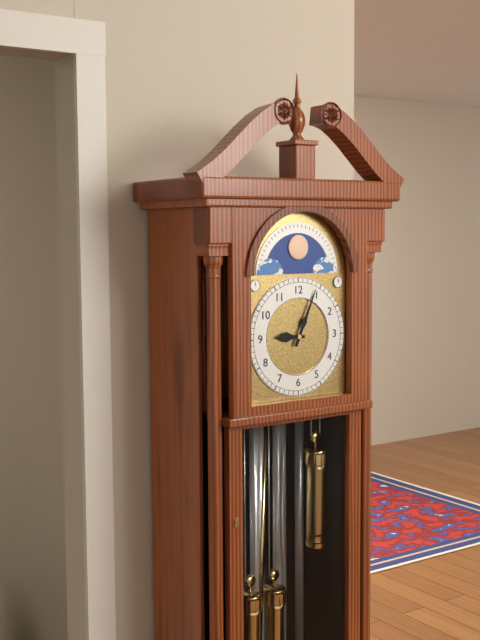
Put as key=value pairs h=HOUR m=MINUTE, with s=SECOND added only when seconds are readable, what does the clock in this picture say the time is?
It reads h=9 m=4
